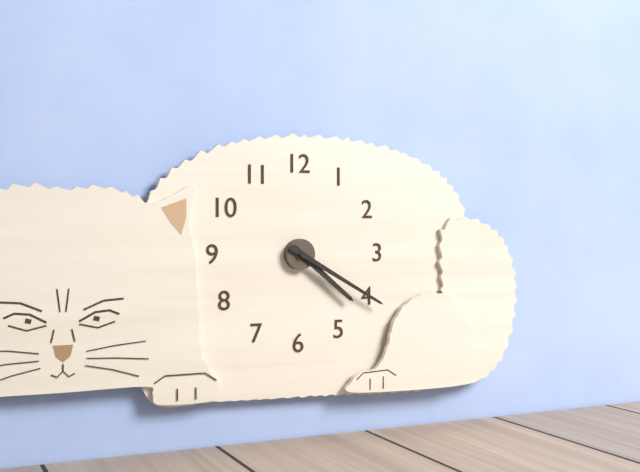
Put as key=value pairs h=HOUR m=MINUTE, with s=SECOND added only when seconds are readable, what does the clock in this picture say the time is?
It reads h=4 m=20
